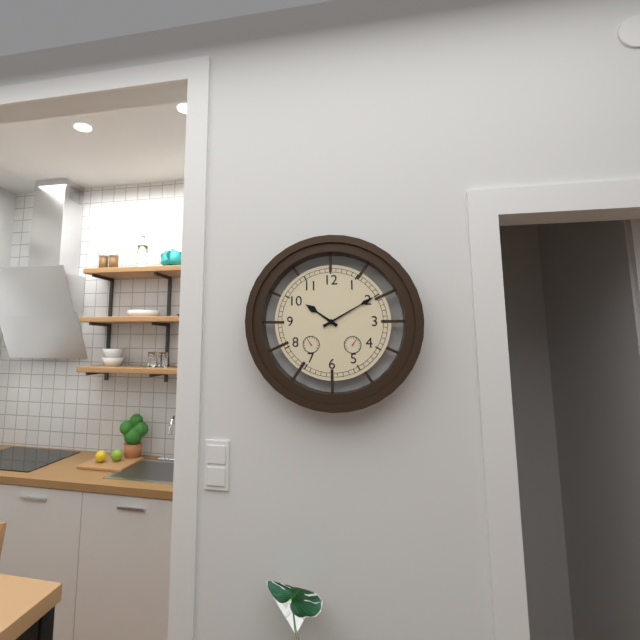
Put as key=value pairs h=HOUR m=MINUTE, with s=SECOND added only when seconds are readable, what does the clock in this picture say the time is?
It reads h=10 m=10
